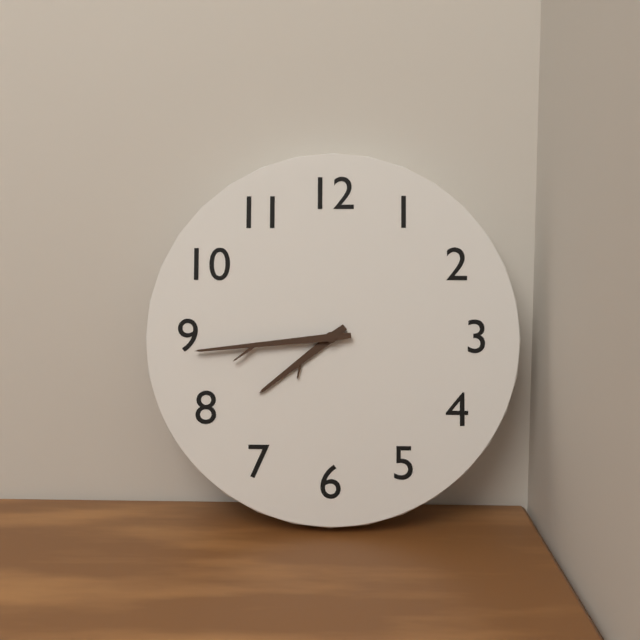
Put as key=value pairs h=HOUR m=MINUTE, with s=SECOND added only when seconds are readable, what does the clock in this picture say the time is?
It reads h=7 m=44
